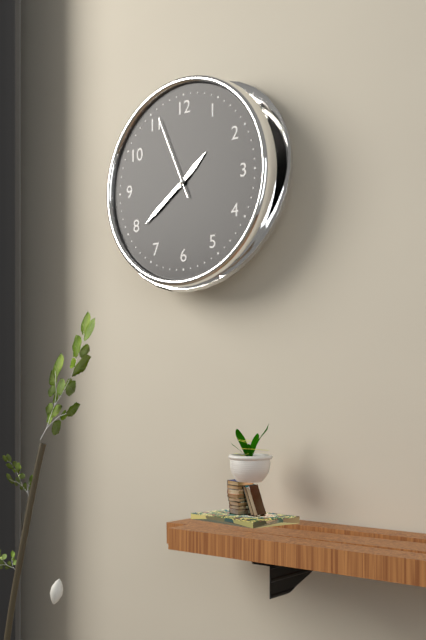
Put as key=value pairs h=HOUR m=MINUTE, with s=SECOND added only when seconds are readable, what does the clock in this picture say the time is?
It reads h=1 m=39 s=56
